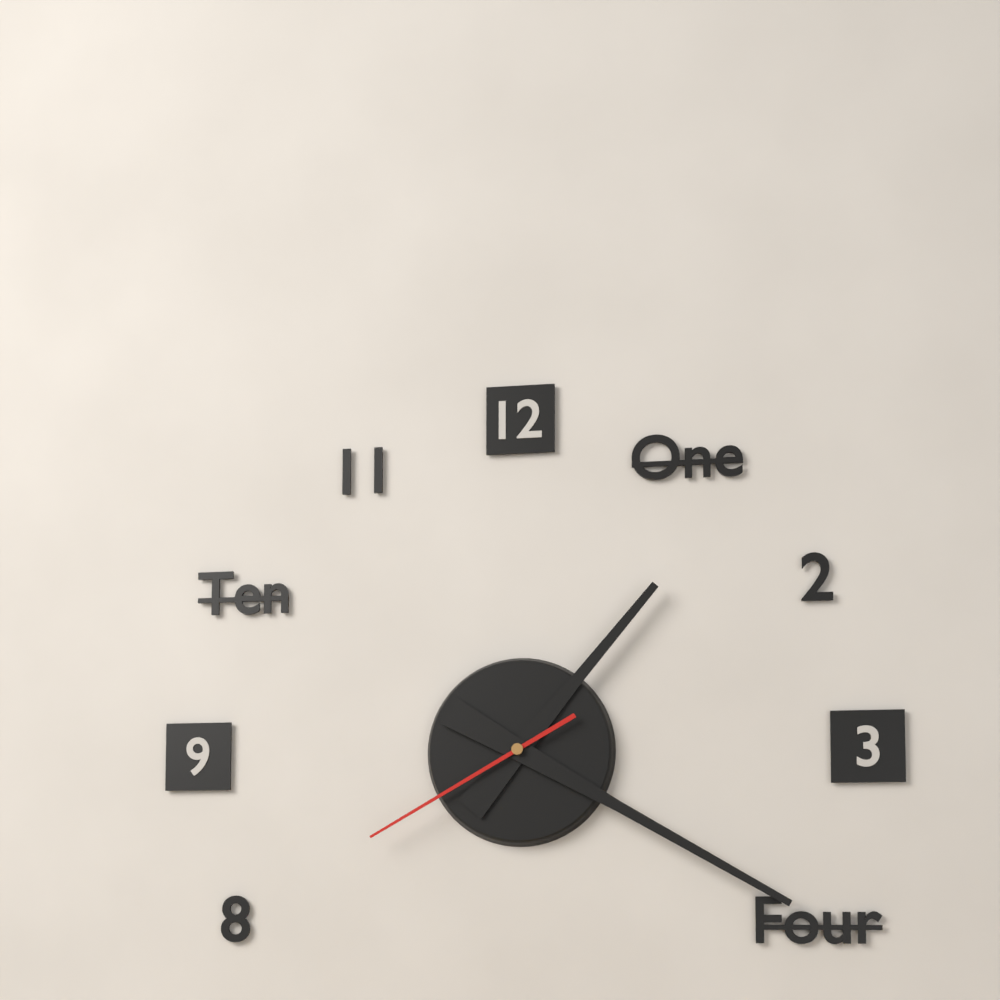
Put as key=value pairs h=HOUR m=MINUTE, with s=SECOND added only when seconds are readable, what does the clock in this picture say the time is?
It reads h=1 m=20 s=40
